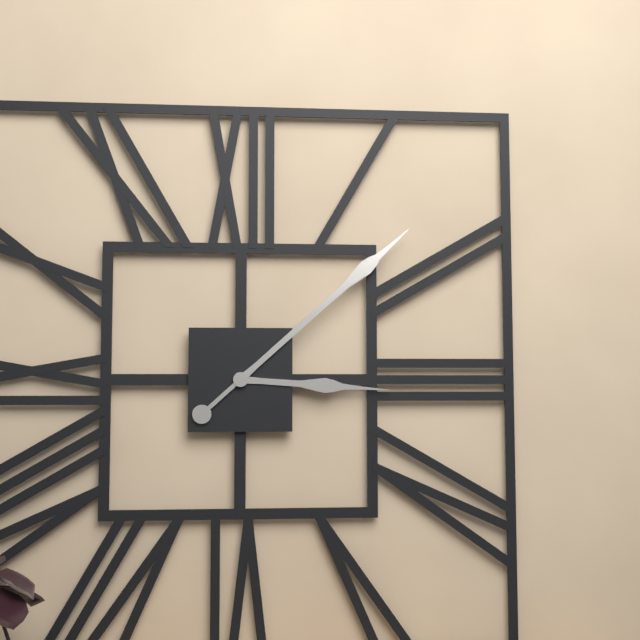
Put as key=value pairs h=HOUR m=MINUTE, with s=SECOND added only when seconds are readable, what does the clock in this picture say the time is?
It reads h=3 m=8
